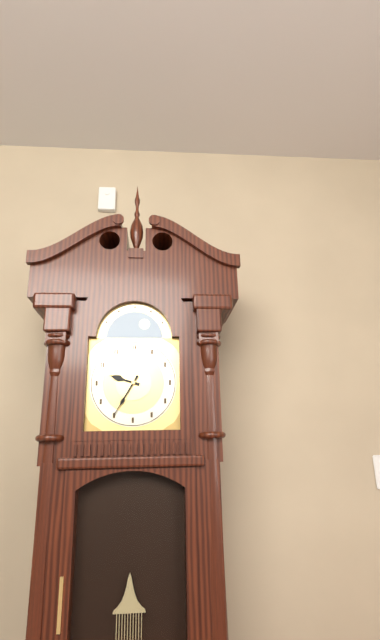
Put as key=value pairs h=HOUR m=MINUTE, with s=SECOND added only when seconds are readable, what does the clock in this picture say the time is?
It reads h=9 m=35
